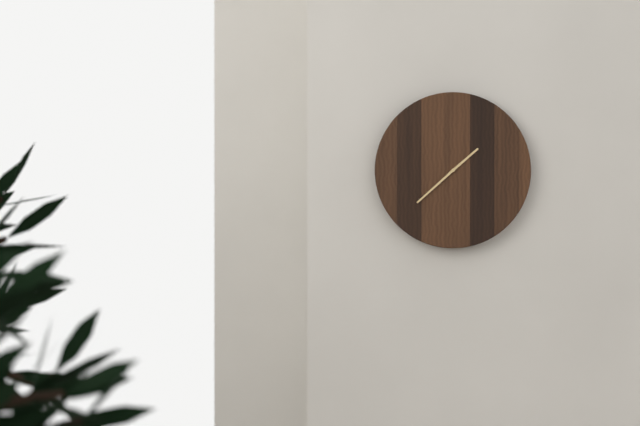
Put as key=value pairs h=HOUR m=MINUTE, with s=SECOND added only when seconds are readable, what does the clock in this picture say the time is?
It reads h=1 m=38
